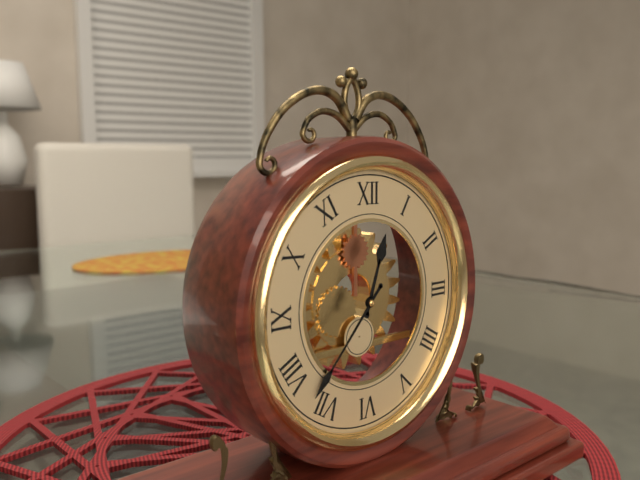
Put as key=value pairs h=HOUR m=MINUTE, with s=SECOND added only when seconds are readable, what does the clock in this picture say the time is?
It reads h=12 m=37
